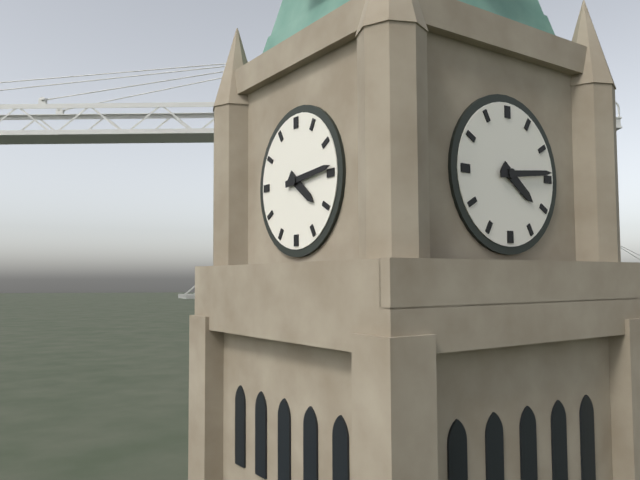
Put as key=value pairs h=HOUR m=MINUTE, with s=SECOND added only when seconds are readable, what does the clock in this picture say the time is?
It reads h=4 m=14
